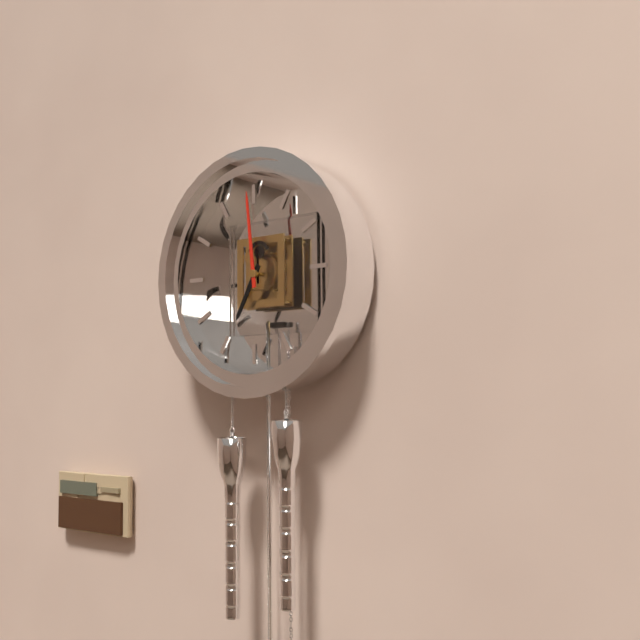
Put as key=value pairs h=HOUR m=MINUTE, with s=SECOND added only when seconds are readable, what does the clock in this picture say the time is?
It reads h=6 m=59
